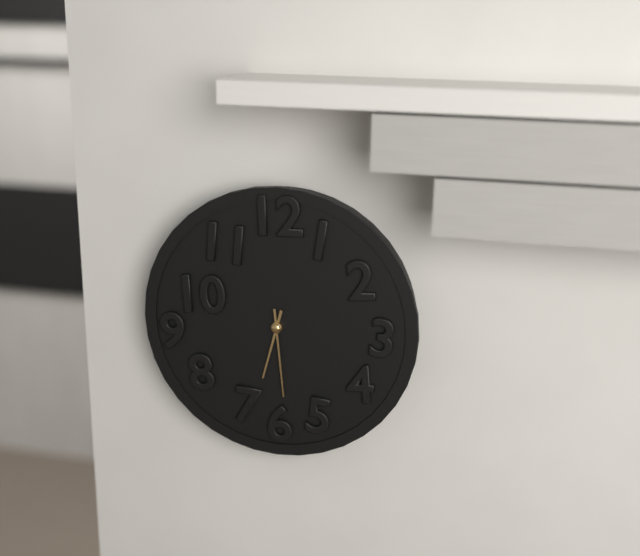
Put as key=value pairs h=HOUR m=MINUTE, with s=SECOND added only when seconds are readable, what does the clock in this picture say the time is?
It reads h=6 m=29
